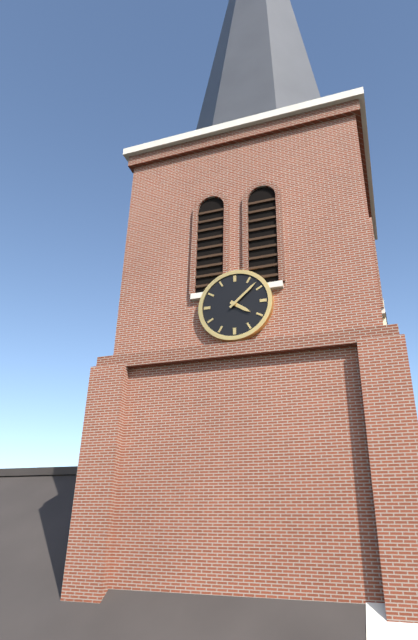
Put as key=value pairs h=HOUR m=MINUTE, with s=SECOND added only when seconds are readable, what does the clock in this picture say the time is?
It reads h=4 m=8
